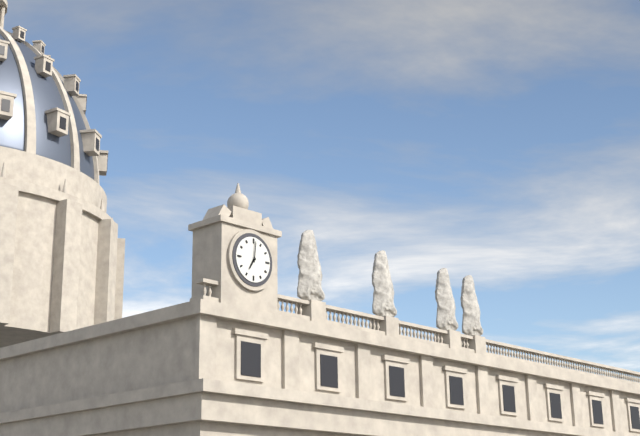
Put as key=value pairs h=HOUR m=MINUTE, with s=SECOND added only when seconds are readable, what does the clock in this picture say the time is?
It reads h=7 m=1
